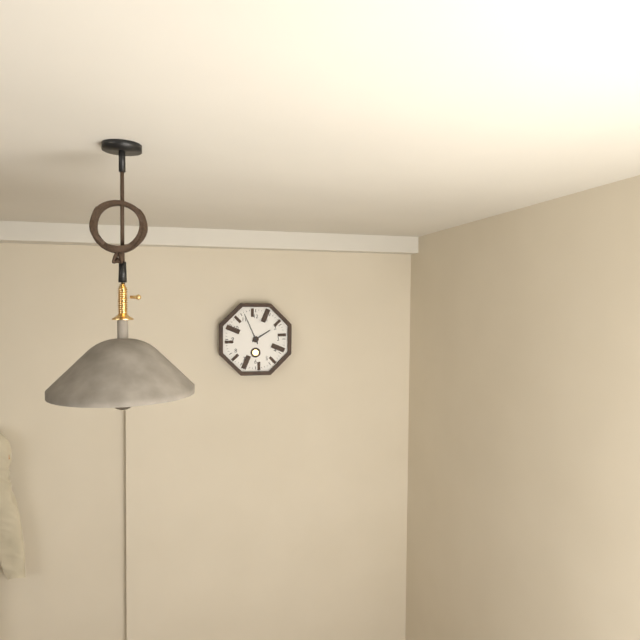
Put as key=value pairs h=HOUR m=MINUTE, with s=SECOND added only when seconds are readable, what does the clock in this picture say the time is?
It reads h=1 m=56
